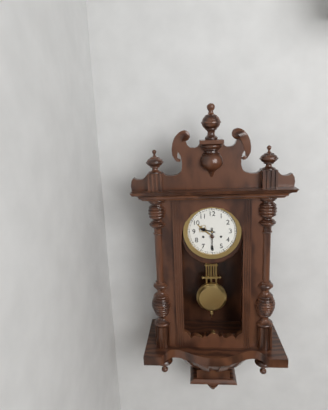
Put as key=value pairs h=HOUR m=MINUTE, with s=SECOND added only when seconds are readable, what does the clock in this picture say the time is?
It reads h=9 m=30
